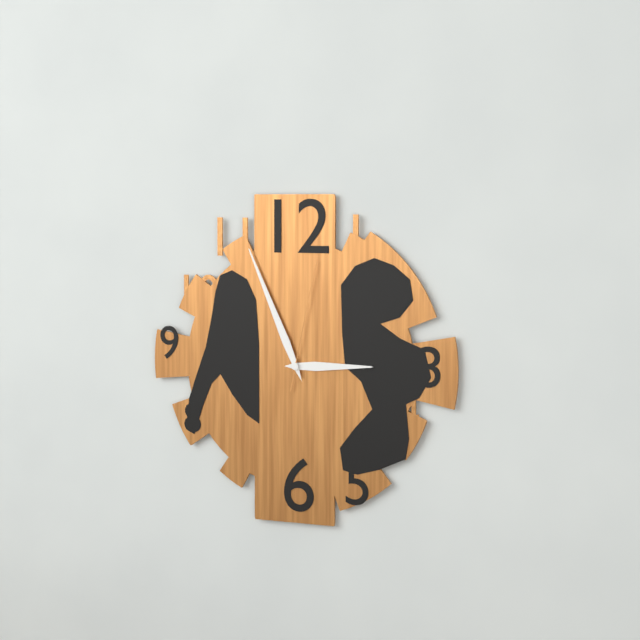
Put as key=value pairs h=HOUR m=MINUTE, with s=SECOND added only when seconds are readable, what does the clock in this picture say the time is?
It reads h=2 m=56 s=2
